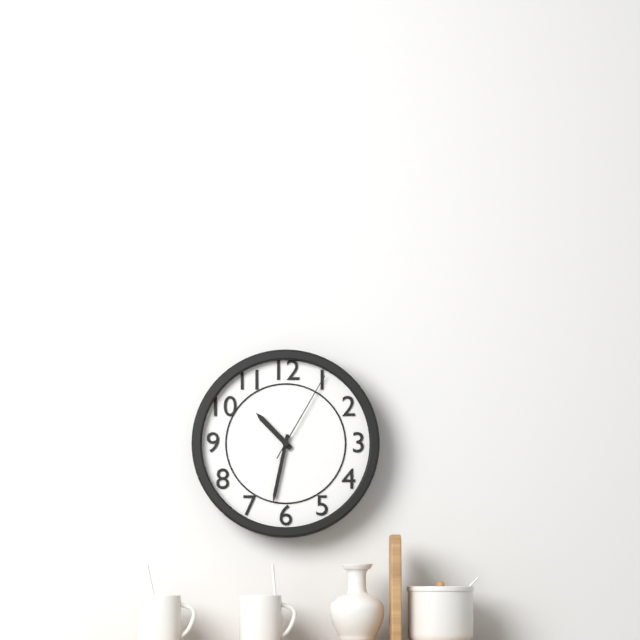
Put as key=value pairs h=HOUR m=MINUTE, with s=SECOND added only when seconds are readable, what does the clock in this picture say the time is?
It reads h=10 m=32 s=5
